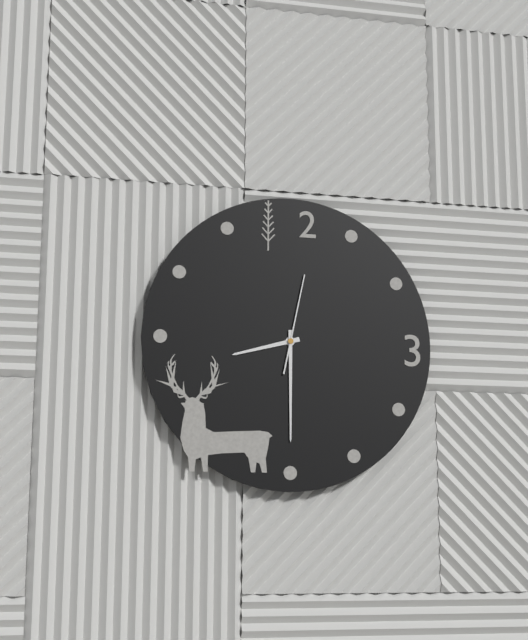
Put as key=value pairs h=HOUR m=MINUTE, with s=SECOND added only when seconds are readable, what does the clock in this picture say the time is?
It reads h=8 m=30 s=2
